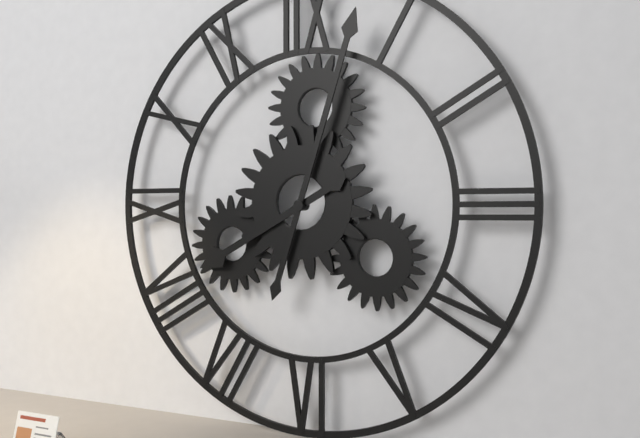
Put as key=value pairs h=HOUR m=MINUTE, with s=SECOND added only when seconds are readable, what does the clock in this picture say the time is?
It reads h=8 m=3
